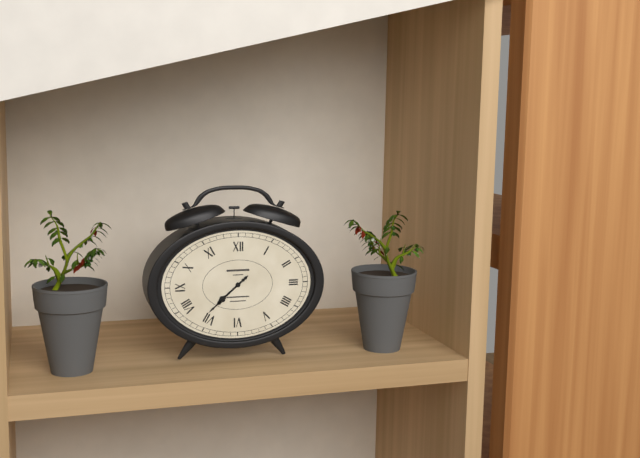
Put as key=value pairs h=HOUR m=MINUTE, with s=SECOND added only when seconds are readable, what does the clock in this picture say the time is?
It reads h=7 m=38
